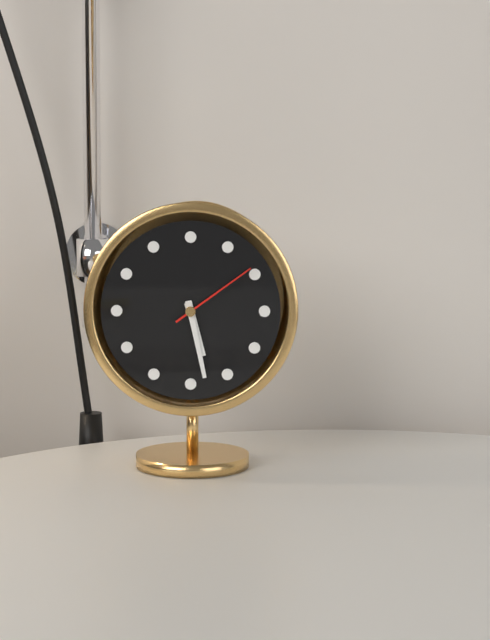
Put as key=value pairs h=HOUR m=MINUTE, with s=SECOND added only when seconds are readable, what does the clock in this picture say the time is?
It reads h=5 m=28 s=9
